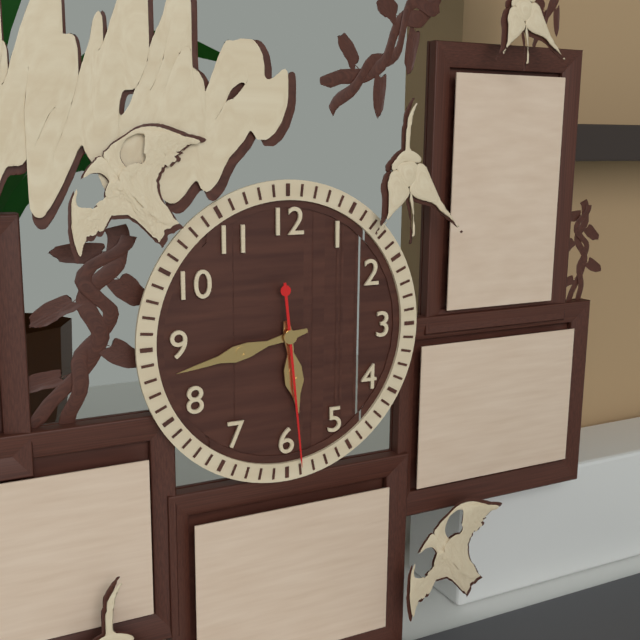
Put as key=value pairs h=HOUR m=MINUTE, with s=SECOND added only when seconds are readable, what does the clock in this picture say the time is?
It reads h=5 m=43 s=29
